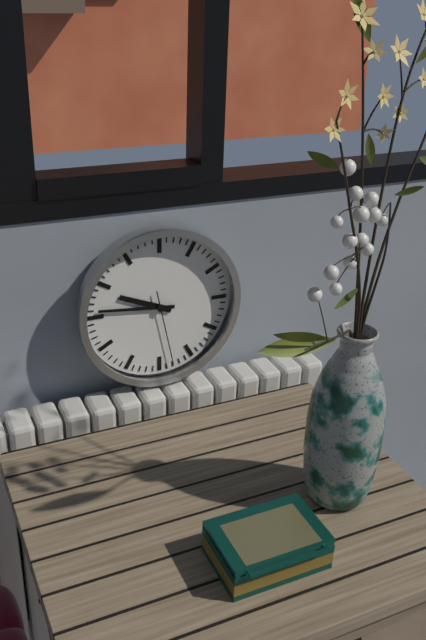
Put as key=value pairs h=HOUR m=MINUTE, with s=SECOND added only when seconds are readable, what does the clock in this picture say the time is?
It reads h=9 m=46 s=28
